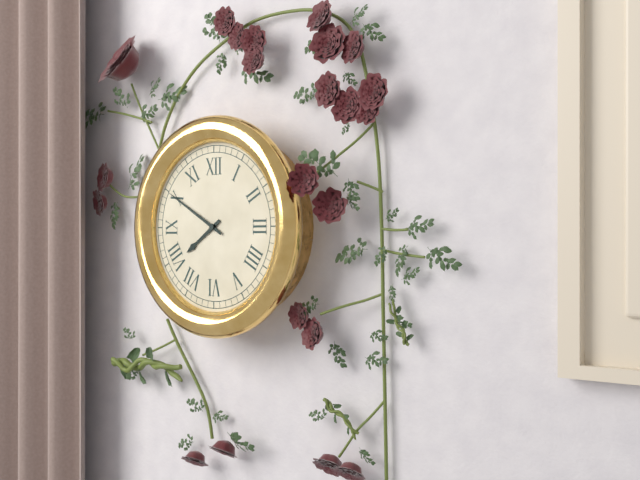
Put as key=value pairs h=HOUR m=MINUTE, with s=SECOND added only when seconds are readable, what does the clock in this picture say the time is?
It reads h=7 m=50
